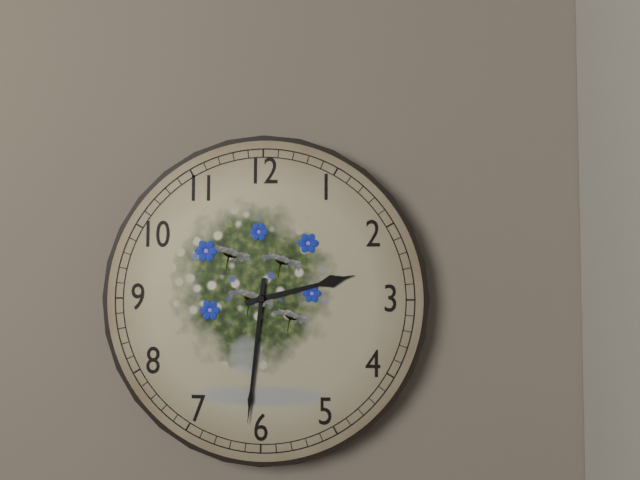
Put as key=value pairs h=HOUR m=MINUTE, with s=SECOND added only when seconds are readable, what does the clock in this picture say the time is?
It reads h=2 m=31
